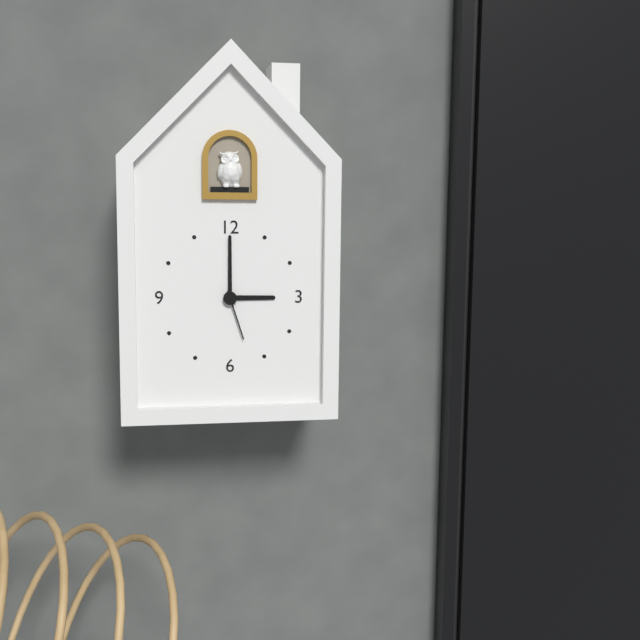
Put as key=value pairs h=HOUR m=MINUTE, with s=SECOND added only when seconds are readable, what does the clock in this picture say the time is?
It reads h=3 m=0 s=27
